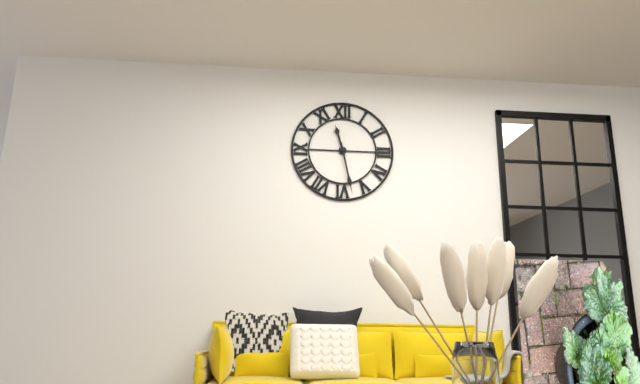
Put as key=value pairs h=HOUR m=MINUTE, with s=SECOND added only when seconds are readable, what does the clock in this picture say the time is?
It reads h=11 m=28
